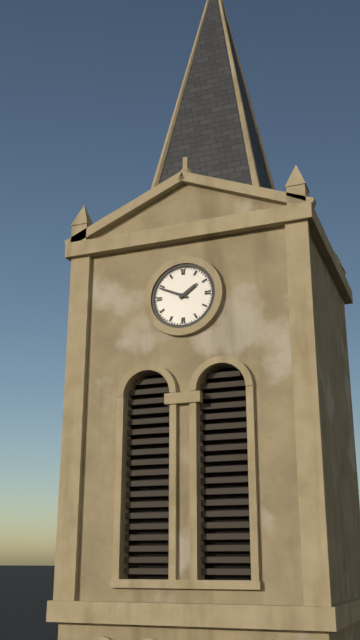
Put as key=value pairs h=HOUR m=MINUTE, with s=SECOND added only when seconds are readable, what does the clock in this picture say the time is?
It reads h=1 m=49
